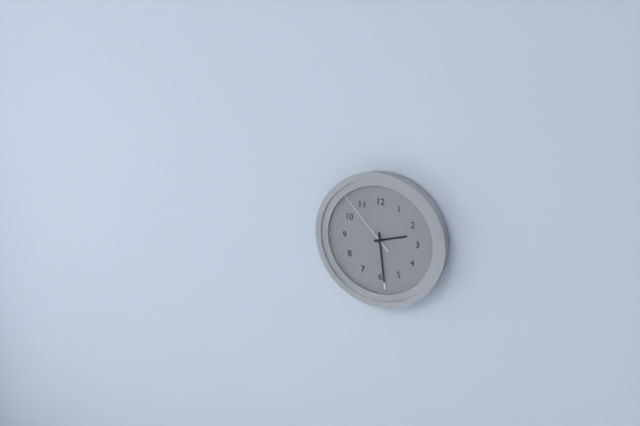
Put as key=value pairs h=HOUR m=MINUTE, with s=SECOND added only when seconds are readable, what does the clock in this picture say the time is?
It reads h=2 m=29 s=53
